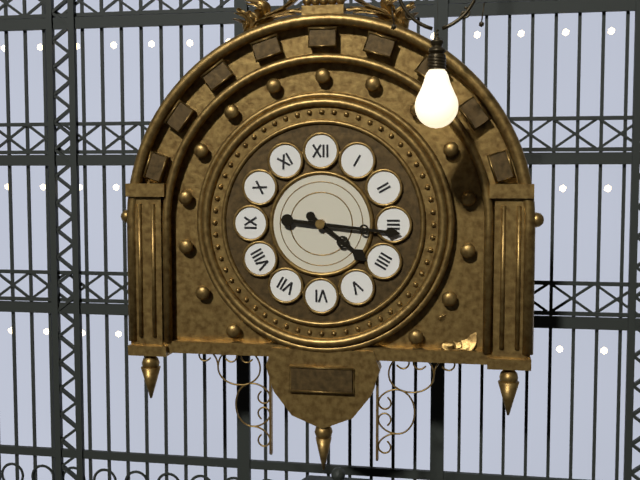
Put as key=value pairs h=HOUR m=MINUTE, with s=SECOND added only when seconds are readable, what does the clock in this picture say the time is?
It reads h=4 m=16
